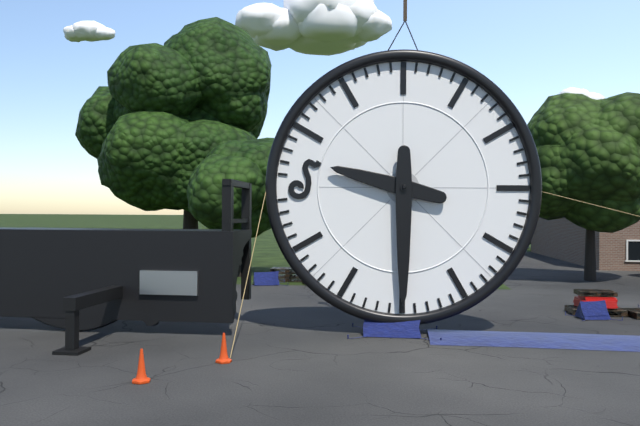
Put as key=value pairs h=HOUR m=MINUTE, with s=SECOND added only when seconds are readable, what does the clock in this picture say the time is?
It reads h=9 m=30
